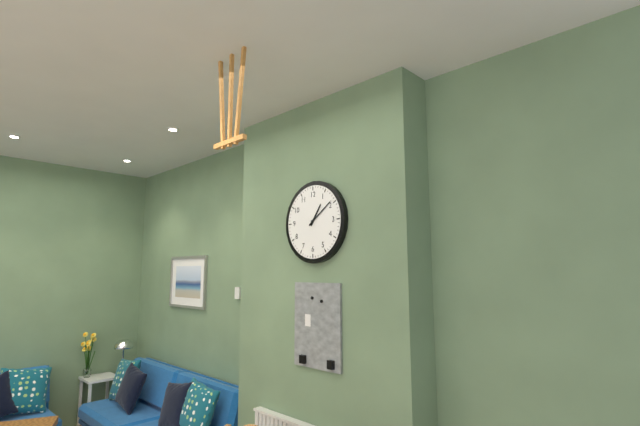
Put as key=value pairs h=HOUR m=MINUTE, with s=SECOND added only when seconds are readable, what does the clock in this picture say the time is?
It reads h=1 m=9
